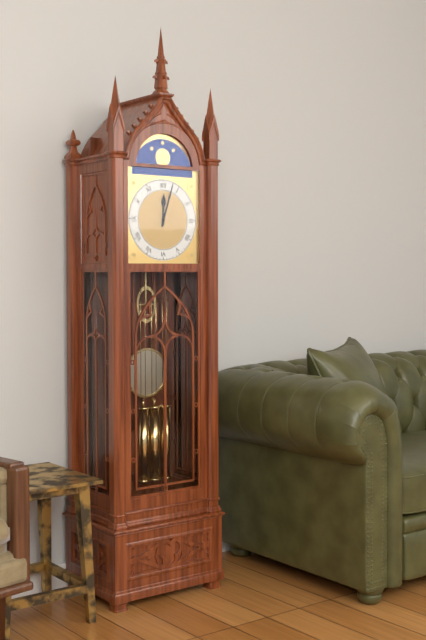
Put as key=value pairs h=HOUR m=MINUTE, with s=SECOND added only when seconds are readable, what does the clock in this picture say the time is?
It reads h=12 m=3
